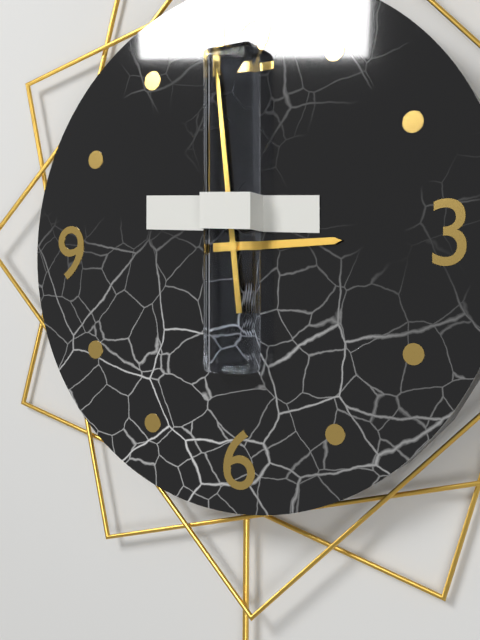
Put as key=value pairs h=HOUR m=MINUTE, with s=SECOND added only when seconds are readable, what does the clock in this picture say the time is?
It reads h=2 m=59
